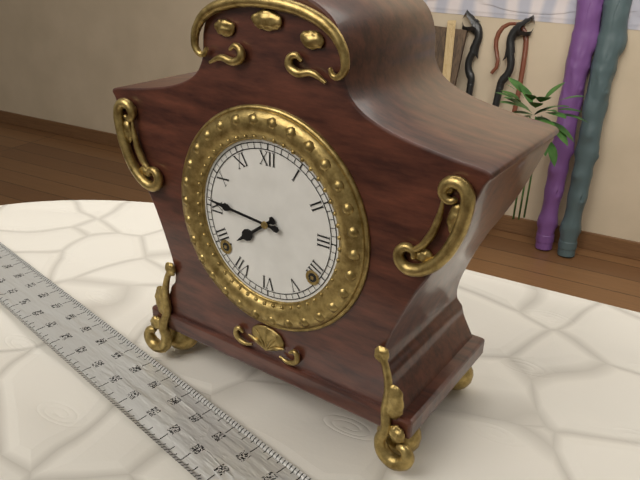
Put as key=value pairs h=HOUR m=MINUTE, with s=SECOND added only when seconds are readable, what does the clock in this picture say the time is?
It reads h=7 m=46
